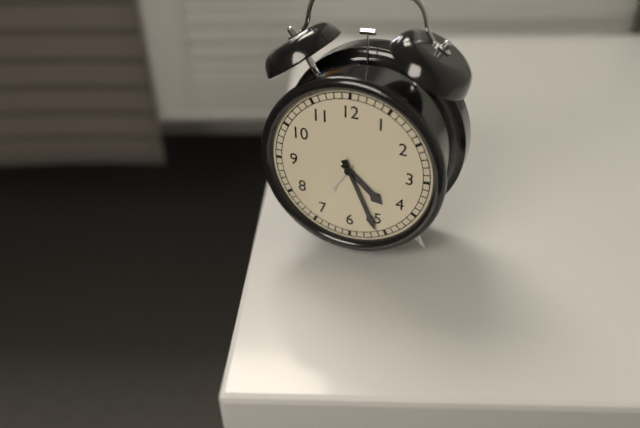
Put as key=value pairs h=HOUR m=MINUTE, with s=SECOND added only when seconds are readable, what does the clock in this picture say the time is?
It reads h=4 m=26
